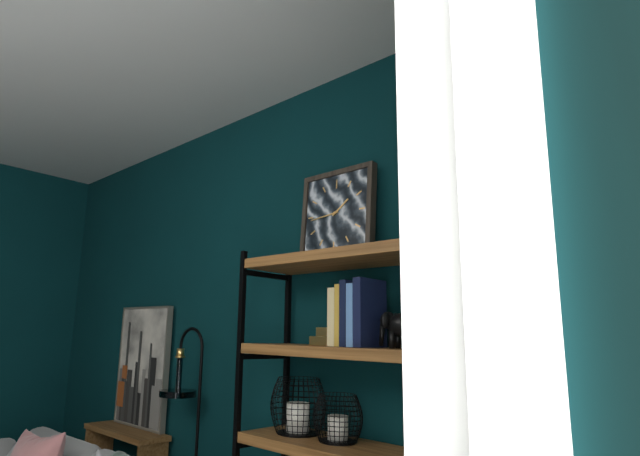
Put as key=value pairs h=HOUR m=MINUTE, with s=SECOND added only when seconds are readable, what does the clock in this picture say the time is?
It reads h=1 m=44
